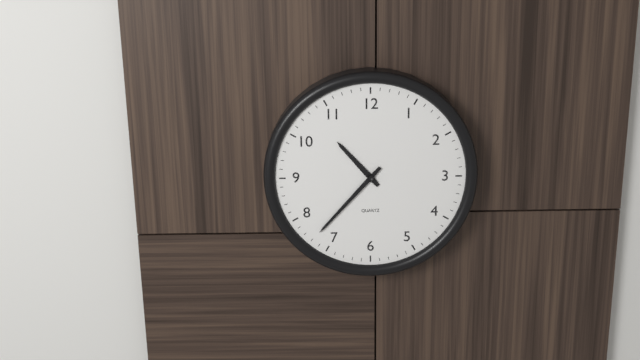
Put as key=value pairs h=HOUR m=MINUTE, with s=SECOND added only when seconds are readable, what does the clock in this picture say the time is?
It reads h=10 m=37
